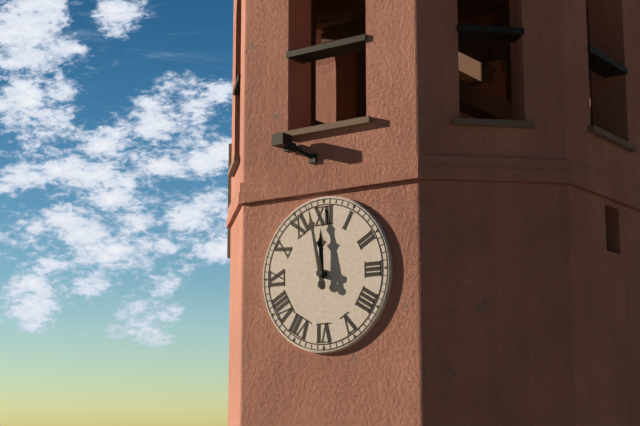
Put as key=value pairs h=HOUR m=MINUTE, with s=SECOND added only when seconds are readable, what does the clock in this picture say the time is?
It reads h=11 m=58
